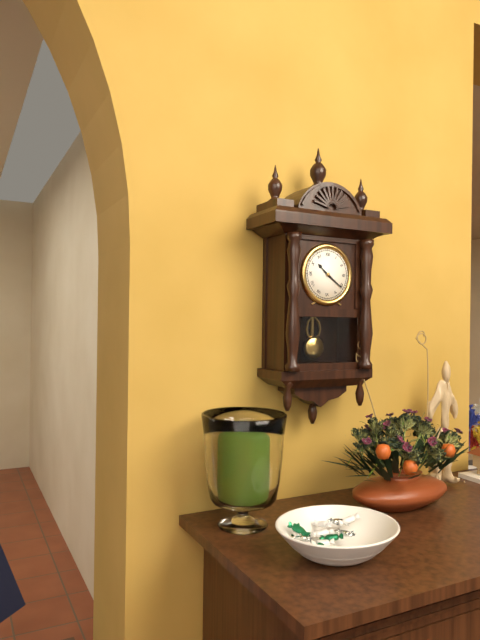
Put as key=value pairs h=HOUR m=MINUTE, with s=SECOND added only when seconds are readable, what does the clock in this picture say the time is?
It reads h=10 m=21
